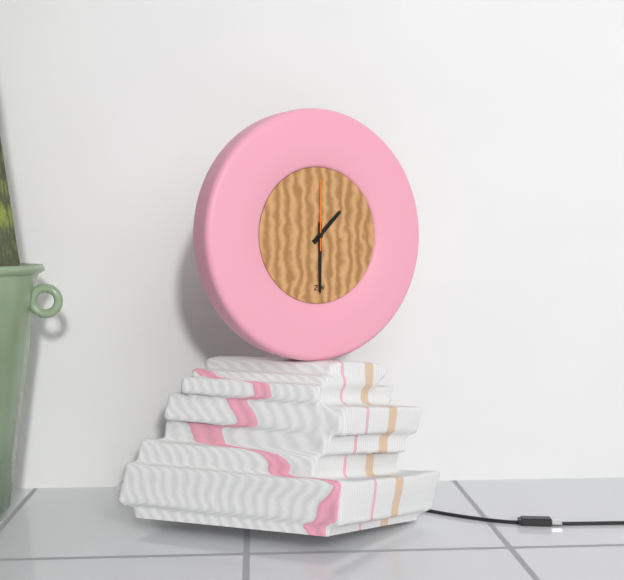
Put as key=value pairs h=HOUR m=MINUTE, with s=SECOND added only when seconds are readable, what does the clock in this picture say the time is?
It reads h=1 m=30 s=0
